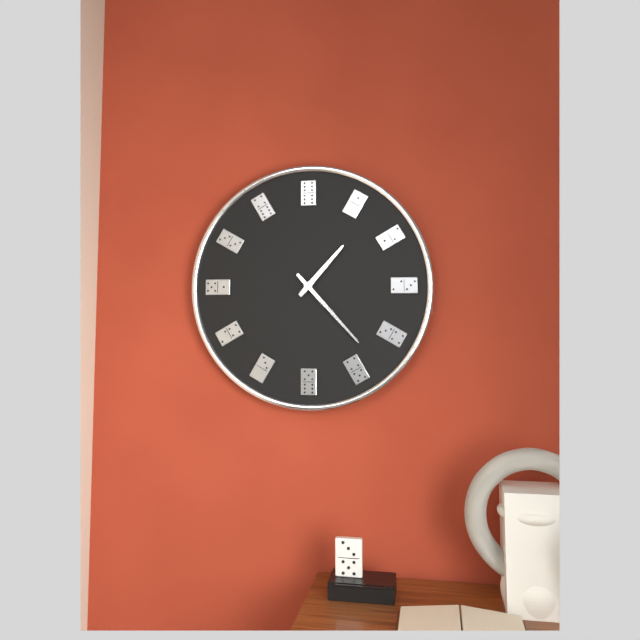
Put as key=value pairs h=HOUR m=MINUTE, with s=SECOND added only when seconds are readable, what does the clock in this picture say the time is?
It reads h=1 m=23
